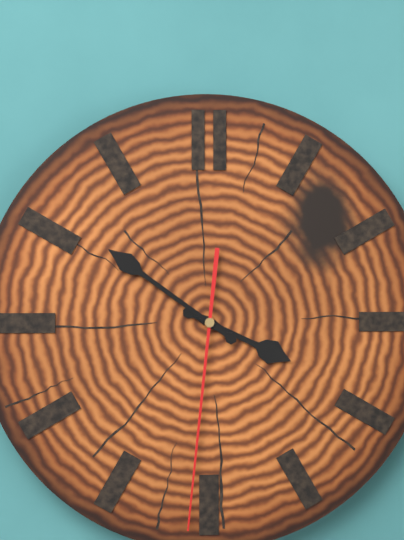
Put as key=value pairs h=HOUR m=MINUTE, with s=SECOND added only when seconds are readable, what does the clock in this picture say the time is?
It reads h=3 m=51 s=31
